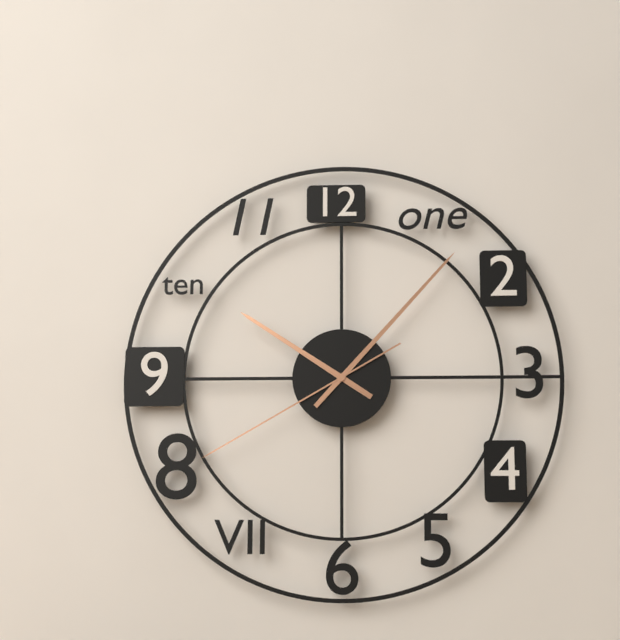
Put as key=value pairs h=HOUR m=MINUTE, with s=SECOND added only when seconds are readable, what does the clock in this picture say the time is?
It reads h=10 m=7 s=40
